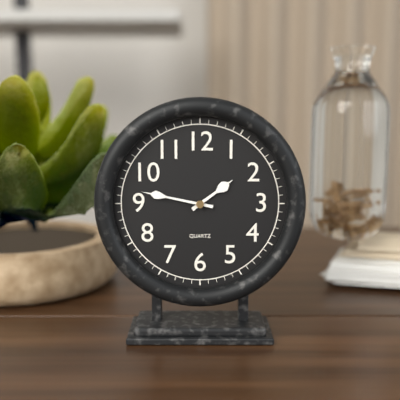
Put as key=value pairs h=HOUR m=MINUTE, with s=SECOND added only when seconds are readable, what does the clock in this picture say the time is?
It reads h=1 m=47
